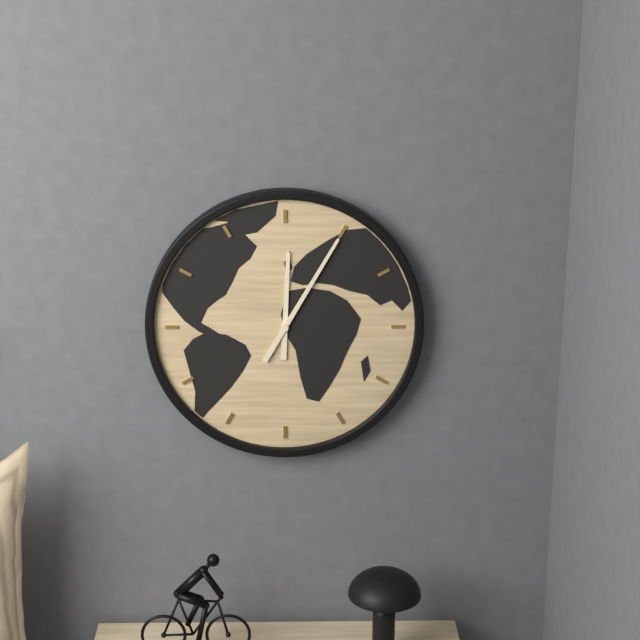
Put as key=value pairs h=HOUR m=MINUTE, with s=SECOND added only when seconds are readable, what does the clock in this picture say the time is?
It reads h=12 m=5
